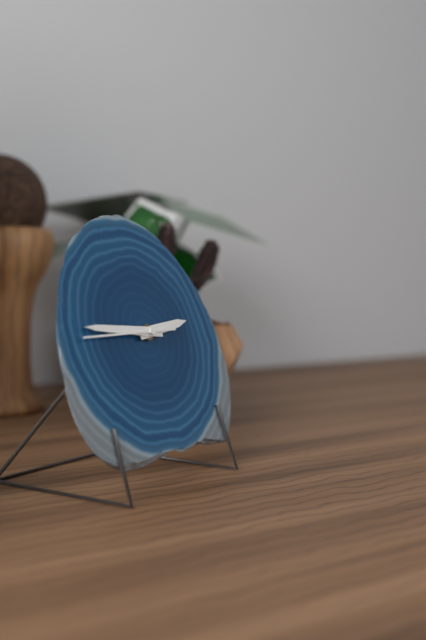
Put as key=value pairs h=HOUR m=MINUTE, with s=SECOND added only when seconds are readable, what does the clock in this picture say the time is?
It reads h=2 m=46 s=45
